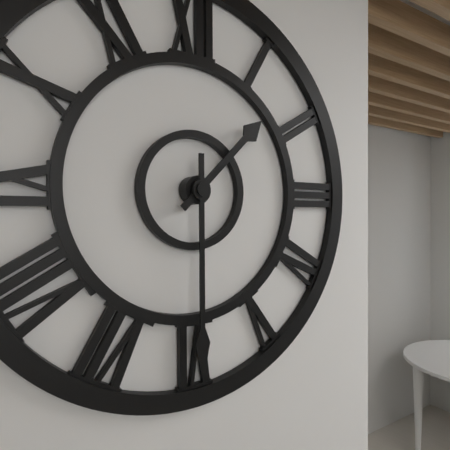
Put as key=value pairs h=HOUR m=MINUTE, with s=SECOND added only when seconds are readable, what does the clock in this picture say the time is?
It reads h=1 m=30
